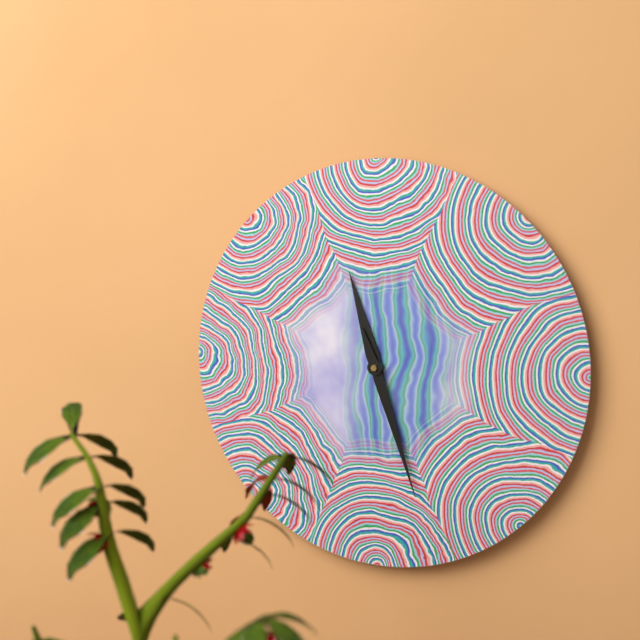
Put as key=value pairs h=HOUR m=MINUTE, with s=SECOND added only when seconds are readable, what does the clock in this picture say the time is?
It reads h=11 m=27
